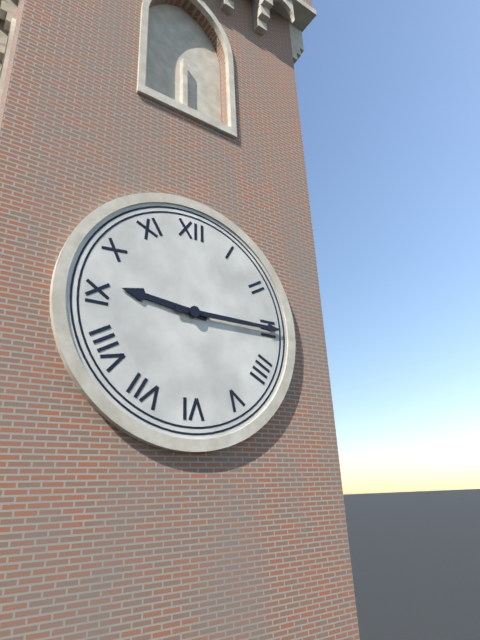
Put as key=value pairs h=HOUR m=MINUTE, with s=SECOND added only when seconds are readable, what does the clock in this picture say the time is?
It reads h=9 m=15
